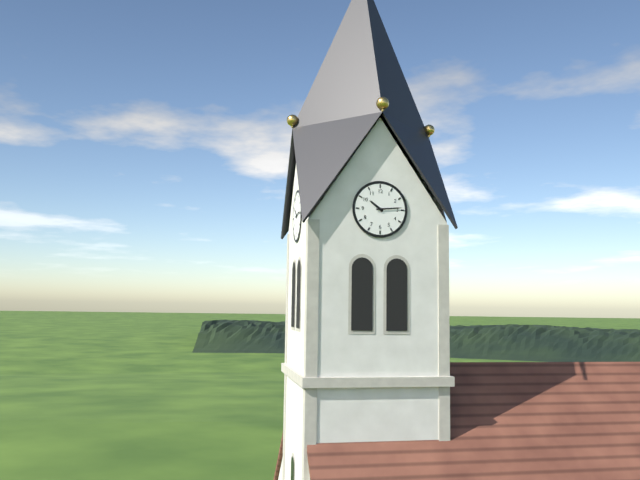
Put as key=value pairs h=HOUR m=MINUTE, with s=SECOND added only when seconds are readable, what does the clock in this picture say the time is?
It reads h=10 m=14
